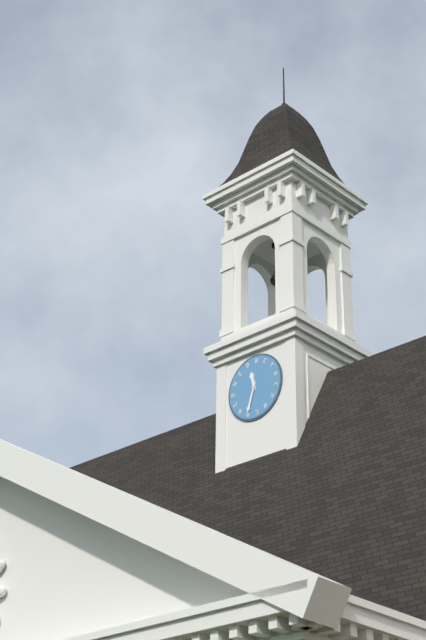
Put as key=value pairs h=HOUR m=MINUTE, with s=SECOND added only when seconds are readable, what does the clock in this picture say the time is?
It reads h=11 m=33
